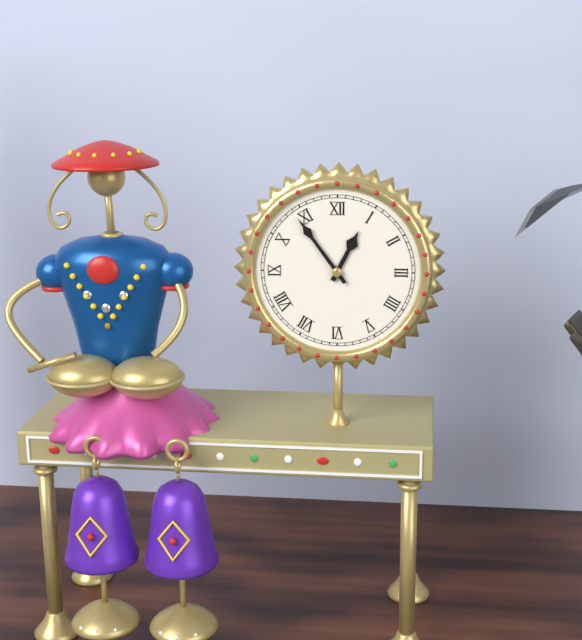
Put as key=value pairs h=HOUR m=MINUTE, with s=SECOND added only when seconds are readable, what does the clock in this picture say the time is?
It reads h=12 m=54
